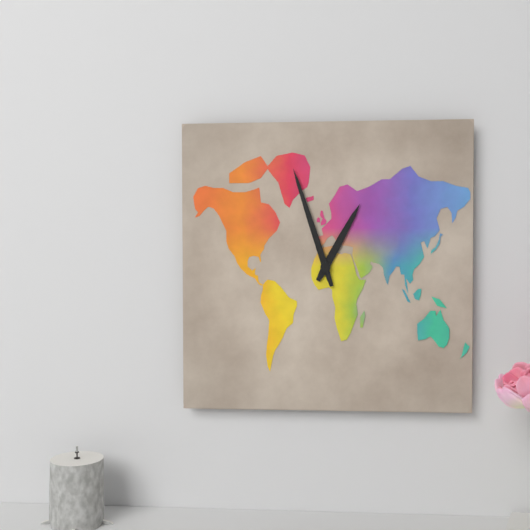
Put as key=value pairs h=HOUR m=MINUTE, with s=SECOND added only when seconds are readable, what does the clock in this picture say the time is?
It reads h=12 m=57
